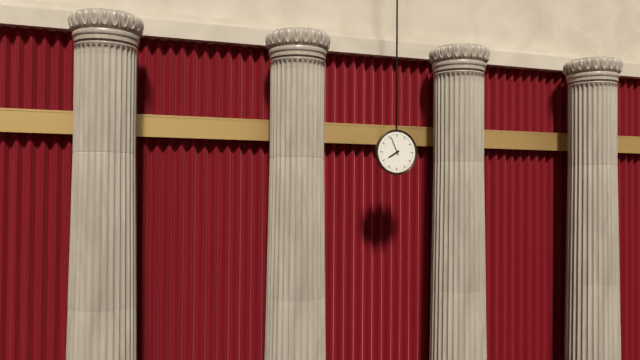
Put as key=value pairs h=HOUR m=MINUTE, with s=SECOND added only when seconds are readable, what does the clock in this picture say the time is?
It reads h=7 m=56
